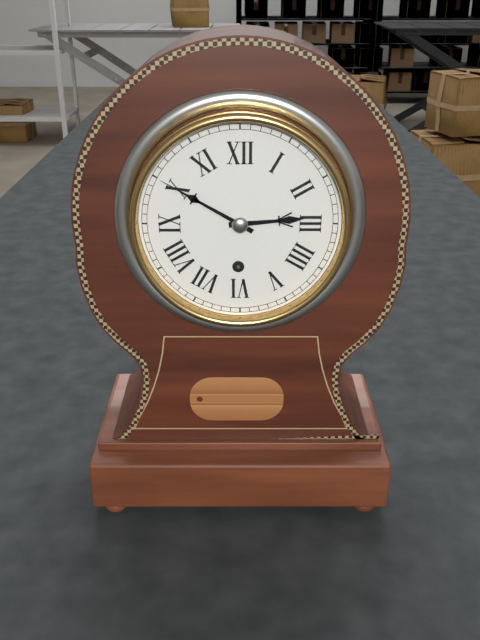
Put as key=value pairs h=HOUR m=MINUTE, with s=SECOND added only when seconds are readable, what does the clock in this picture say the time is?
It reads h=2 m=50
